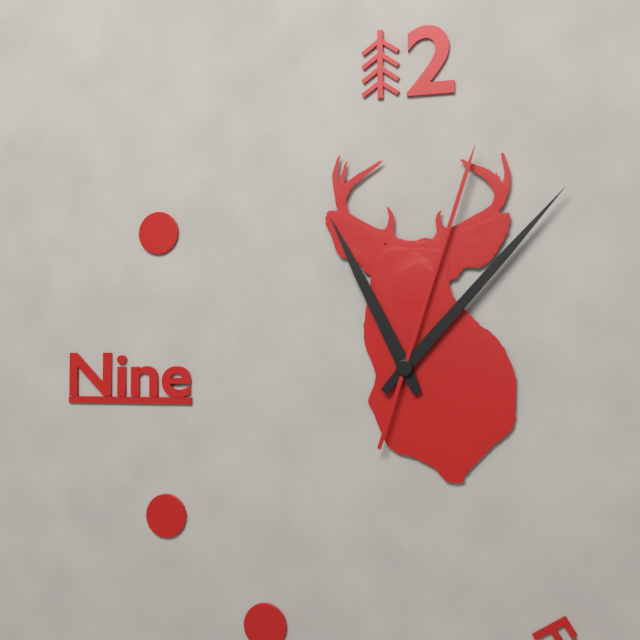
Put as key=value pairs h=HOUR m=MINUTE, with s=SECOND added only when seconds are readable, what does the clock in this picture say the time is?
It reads h=11 m=7 s=3
